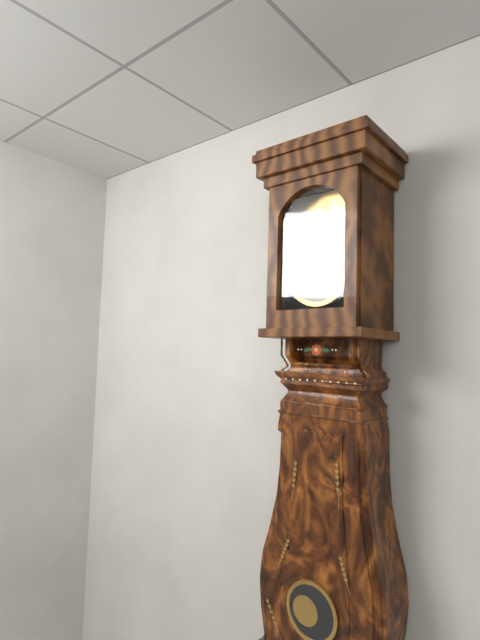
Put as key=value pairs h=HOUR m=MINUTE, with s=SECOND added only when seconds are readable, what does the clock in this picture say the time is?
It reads h=12 m=40
